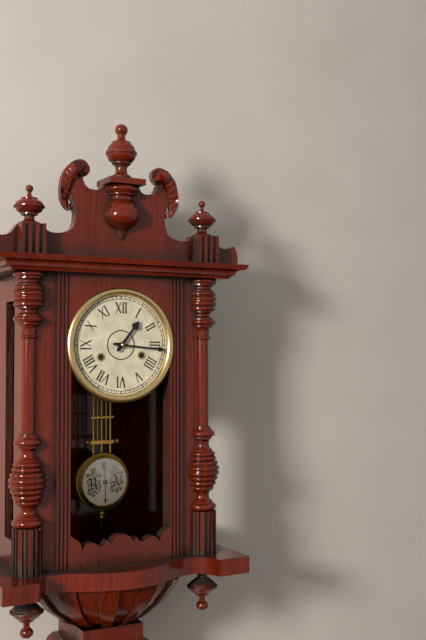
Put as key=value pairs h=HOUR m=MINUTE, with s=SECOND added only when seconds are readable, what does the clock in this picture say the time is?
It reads h=1 m=16
